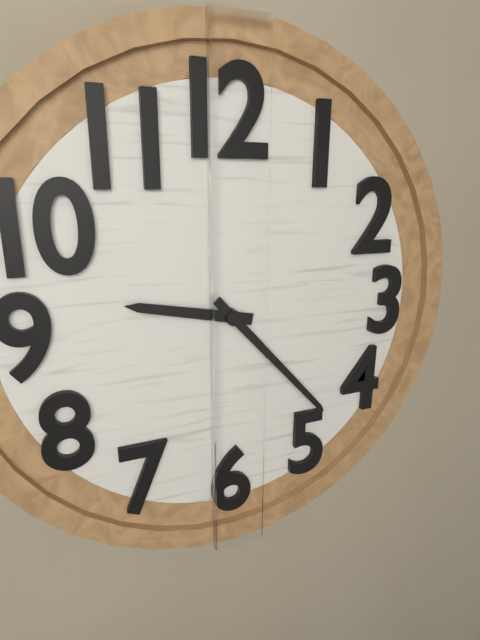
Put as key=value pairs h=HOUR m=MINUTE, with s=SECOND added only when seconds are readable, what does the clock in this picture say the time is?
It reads h=9 m=23
